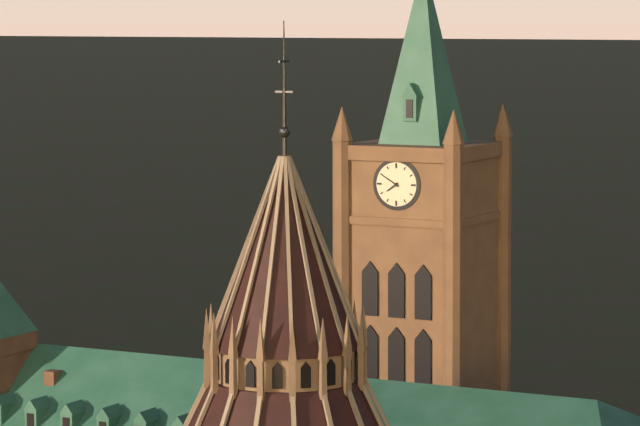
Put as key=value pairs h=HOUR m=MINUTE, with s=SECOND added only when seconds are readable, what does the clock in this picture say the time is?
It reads h=7 m=50
